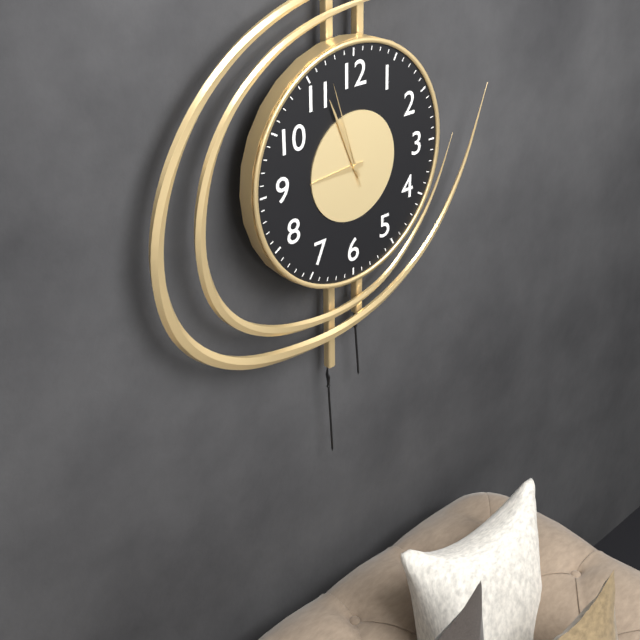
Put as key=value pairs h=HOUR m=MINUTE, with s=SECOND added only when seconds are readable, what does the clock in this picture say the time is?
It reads h=8 m=56 s=57
